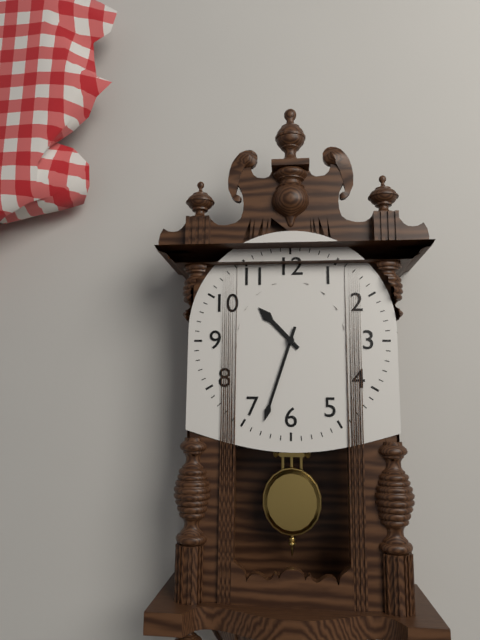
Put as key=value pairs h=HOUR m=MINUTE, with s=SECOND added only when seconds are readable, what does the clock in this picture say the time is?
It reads h=10 m=33
